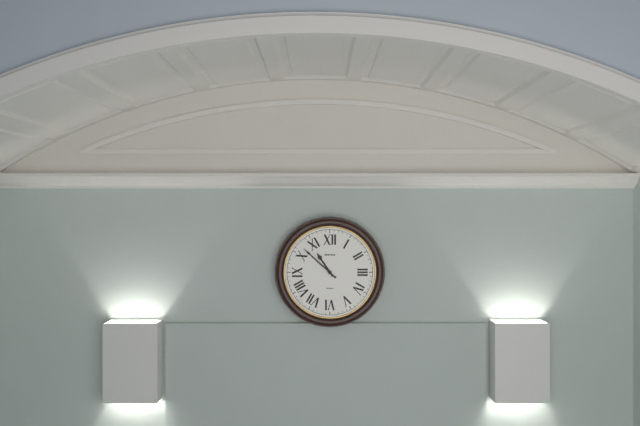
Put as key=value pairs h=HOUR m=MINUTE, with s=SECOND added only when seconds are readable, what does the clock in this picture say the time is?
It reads h=10 m=52
